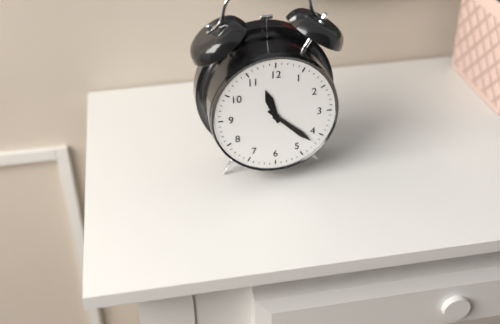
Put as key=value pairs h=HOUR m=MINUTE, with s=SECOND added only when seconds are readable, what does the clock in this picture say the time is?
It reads h=11 m=22
